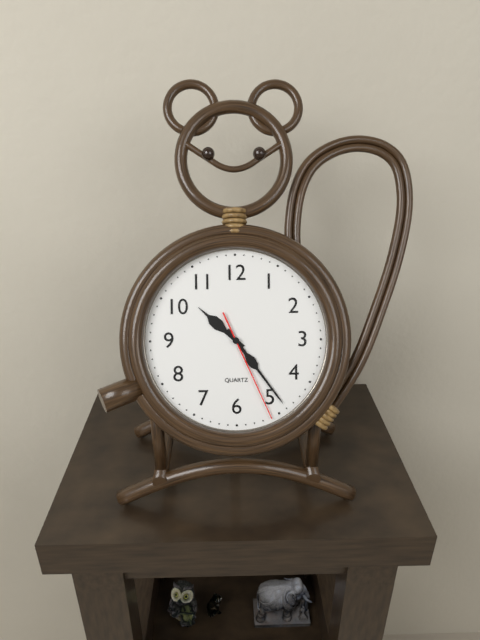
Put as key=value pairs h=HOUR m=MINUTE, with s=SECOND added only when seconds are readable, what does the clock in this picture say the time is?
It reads h=10 m=24 s=26
